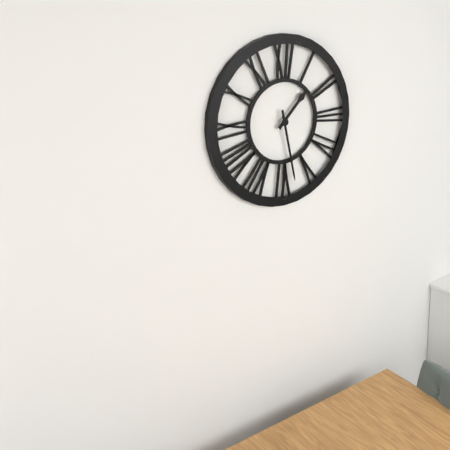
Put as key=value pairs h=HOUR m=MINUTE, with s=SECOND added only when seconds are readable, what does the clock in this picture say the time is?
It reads h=1 m=28
